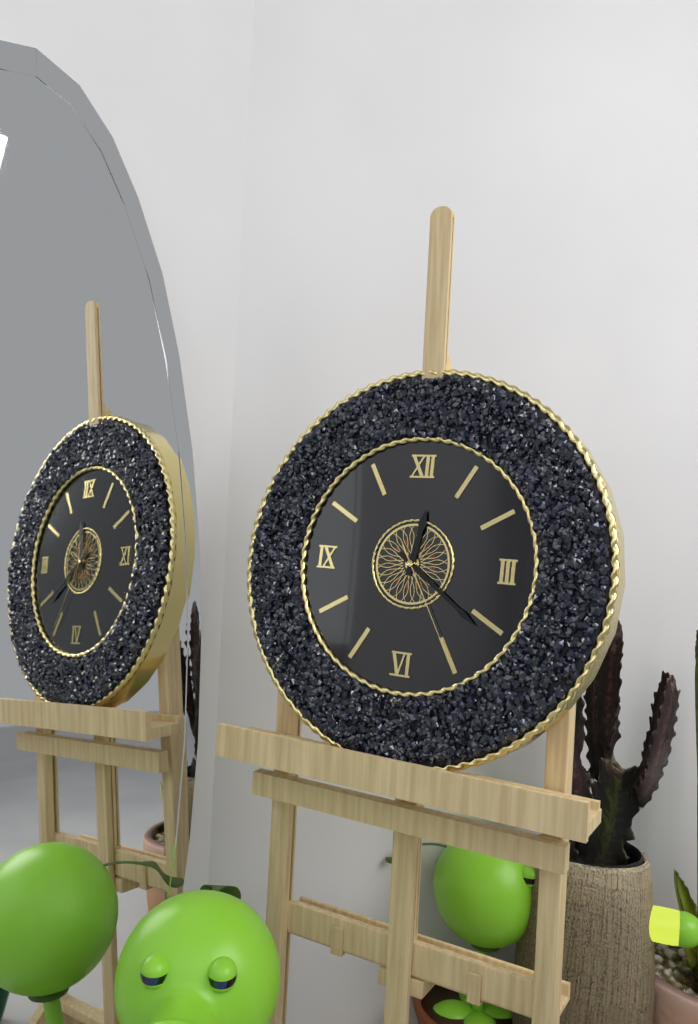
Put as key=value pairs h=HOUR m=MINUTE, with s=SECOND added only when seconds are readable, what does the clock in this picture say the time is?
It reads h=12 m=21 s=25
